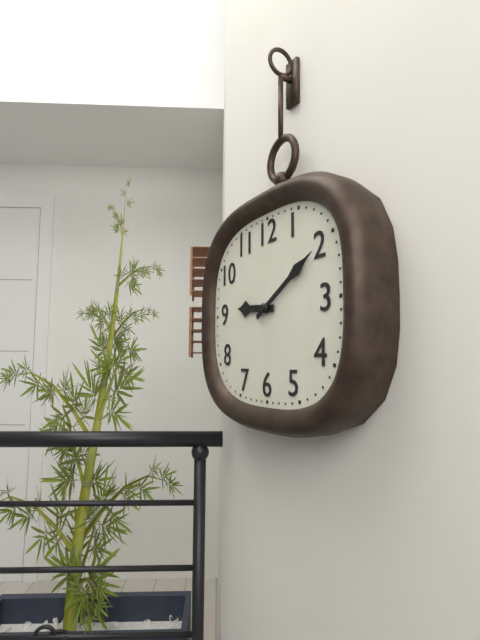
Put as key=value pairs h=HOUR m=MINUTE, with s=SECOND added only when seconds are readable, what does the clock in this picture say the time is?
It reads h=9 m=10
